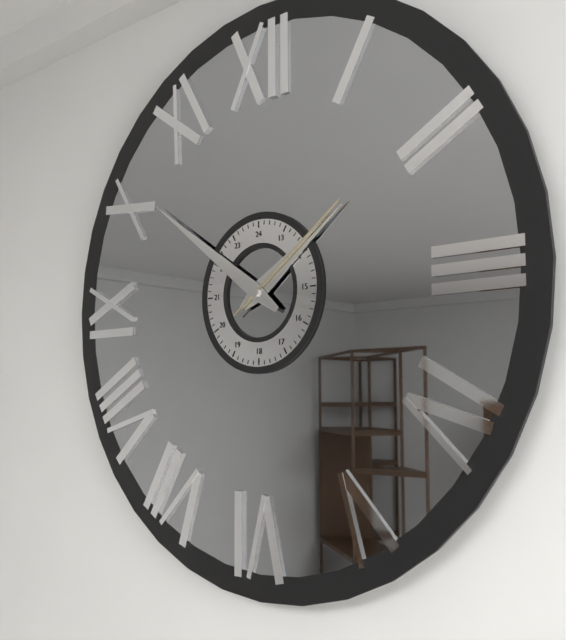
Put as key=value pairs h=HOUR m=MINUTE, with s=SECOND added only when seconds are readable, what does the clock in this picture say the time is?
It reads h=1 m=51 s=9
